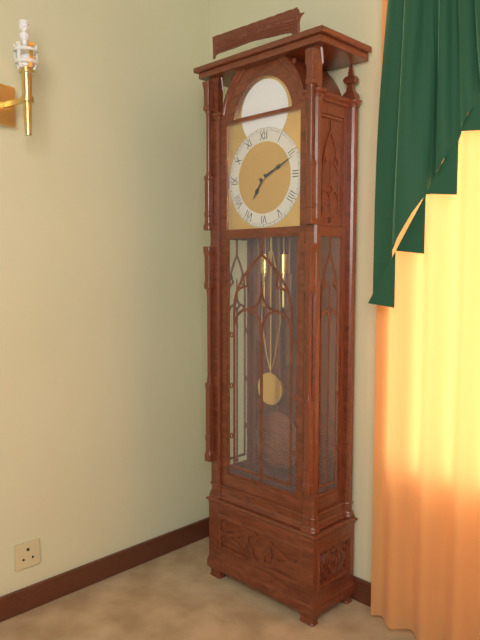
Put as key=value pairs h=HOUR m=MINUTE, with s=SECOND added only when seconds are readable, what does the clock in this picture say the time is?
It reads h=7 m=11
